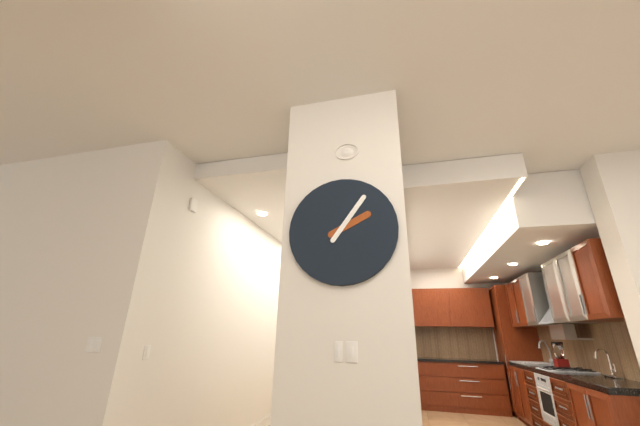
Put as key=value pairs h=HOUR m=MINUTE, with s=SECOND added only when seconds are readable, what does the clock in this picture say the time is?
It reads h=2 m=6
